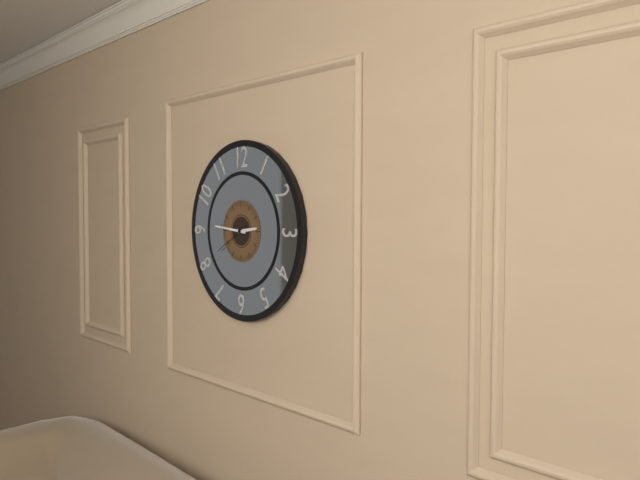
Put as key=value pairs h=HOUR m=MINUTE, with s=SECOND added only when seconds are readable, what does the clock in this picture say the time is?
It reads h=2 m=46
